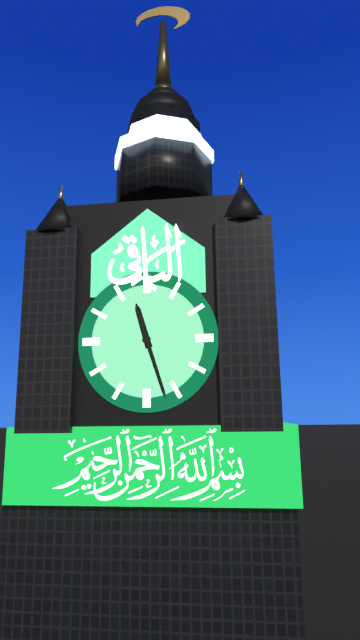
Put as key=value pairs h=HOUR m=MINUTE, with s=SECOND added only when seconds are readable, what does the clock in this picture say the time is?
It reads h=11 m=27
